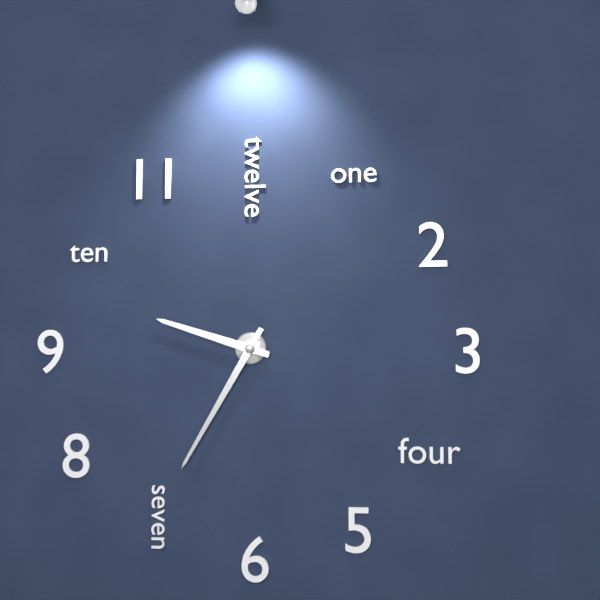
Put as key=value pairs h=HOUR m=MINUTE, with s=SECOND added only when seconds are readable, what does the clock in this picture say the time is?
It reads h=9 m=35
